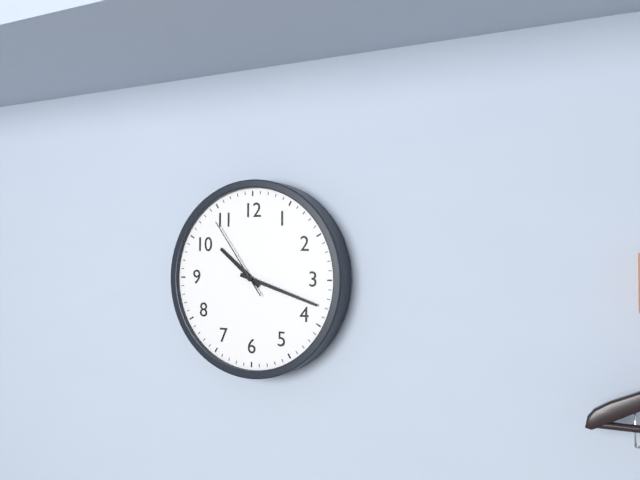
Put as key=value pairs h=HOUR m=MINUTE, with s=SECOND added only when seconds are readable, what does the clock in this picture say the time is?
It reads h=10 m=18 s=54
